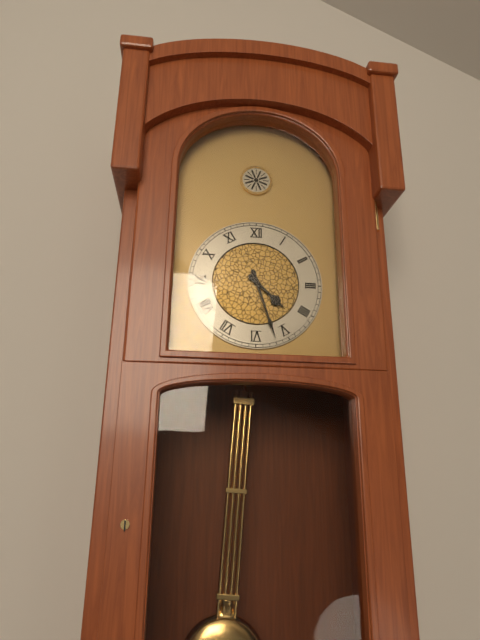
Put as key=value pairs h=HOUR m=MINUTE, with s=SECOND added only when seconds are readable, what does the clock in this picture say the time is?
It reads h=4 m=27
